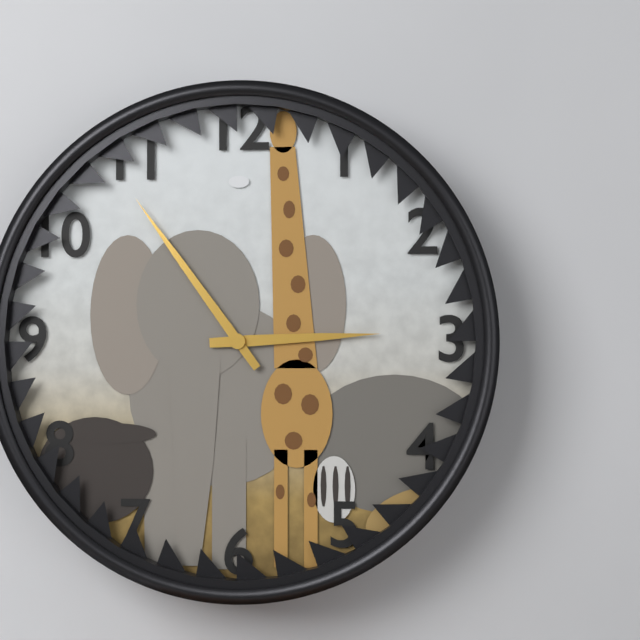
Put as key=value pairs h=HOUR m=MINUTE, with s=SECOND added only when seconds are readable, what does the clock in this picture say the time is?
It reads h=2 m=54
